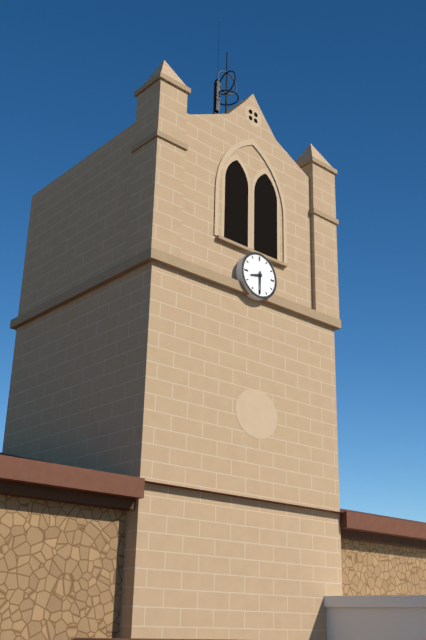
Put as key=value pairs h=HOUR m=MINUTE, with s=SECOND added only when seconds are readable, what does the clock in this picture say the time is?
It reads h=8 m=30
